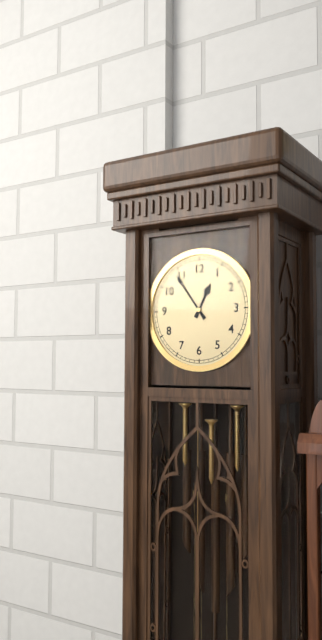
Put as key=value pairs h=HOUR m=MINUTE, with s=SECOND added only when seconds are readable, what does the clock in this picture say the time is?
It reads h=12 m=54
